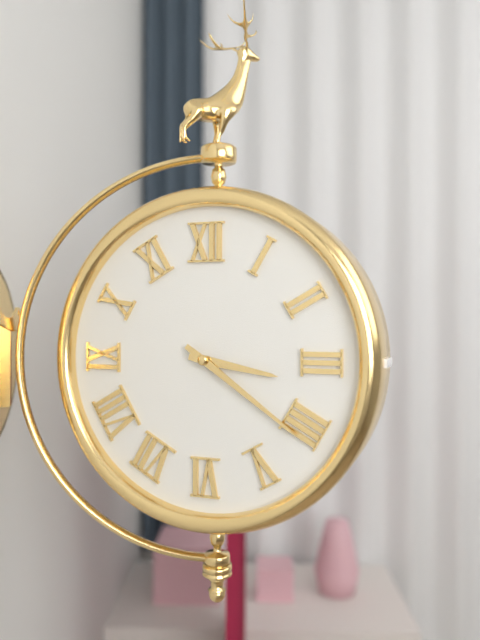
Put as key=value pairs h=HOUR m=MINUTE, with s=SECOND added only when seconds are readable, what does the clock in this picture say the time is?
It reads h=3 m=21
